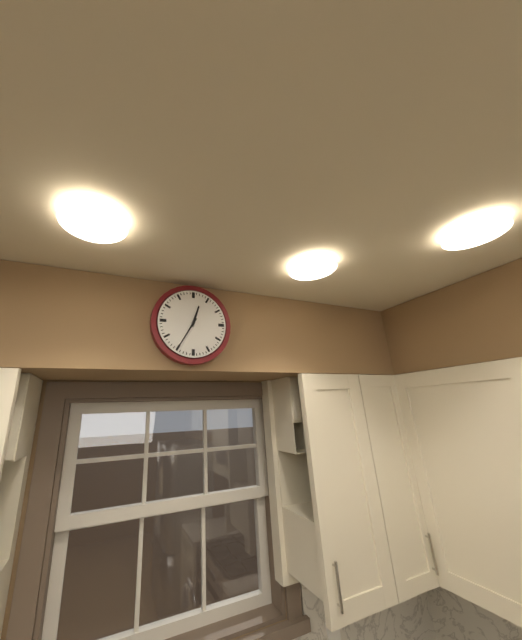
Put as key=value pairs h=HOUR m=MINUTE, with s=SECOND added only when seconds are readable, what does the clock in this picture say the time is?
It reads h=12 m=35
